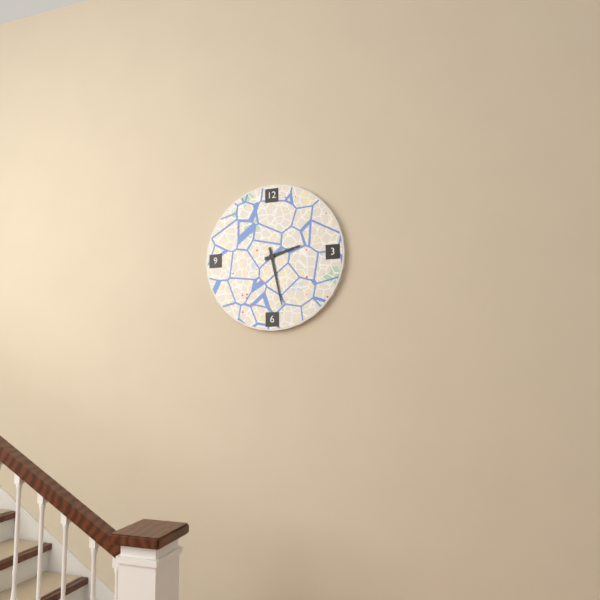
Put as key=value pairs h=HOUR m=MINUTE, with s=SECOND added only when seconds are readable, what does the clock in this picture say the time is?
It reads h=2 m=28
